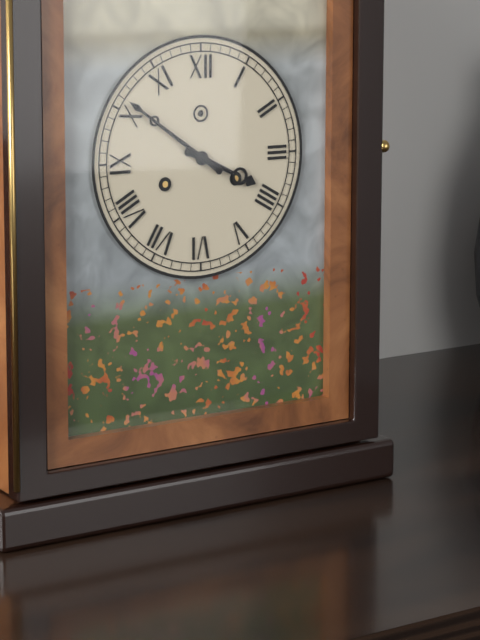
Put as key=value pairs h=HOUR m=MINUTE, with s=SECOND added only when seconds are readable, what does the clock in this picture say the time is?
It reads h=3 m=51
